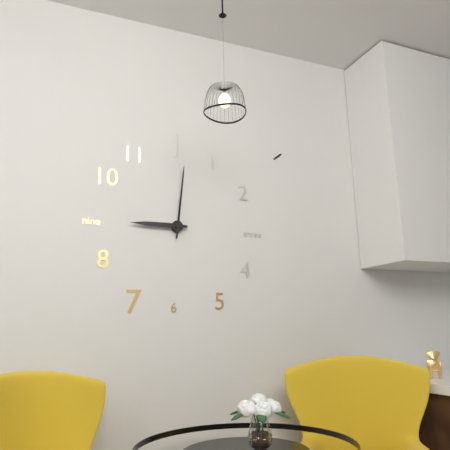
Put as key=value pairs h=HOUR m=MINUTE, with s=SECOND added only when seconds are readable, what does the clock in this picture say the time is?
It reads h=9 m=1
